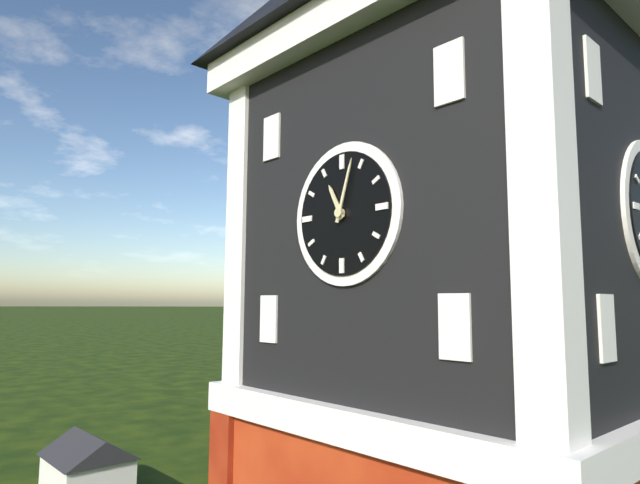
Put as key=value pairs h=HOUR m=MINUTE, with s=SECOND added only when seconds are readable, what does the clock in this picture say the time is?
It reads h=11 m=3
